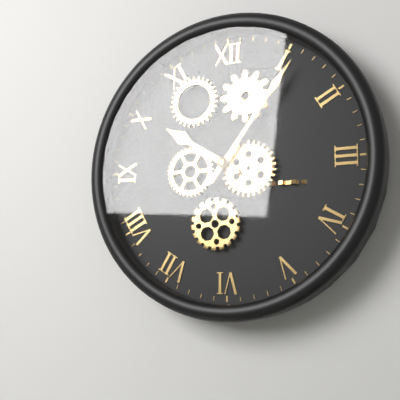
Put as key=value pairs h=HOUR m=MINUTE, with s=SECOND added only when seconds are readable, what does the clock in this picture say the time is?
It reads h=10 m=6
